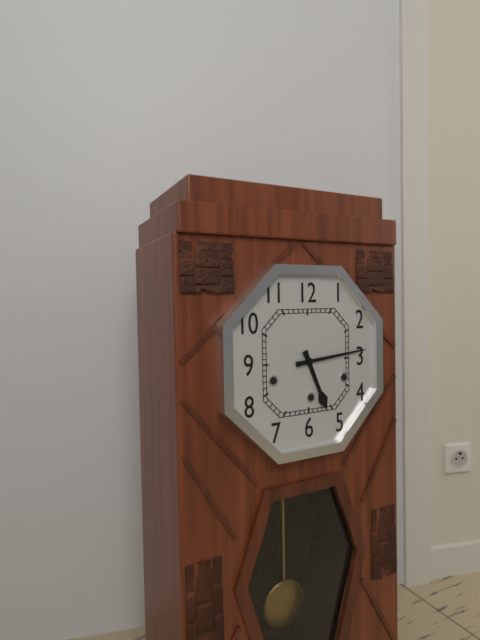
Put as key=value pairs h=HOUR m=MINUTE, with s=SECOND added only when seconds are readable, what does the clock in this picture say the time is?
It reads h=5 m=14
